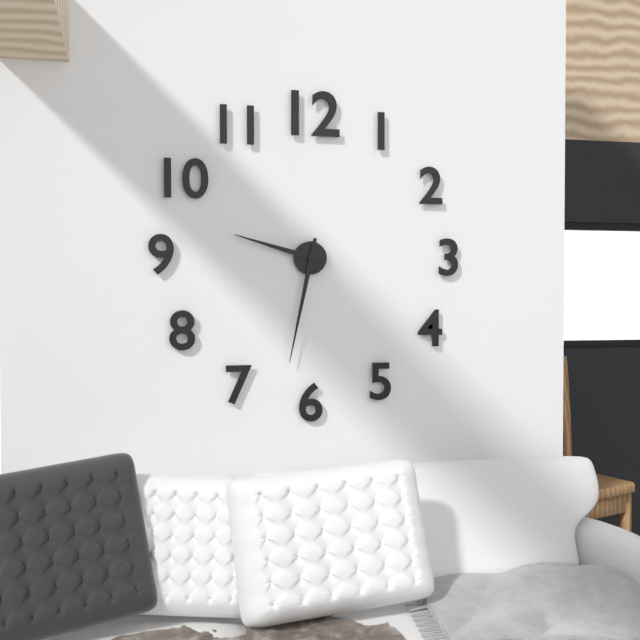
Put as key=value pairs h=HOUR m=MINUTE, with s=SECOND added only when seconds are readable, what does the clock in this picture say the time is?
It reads h=9 m=32
